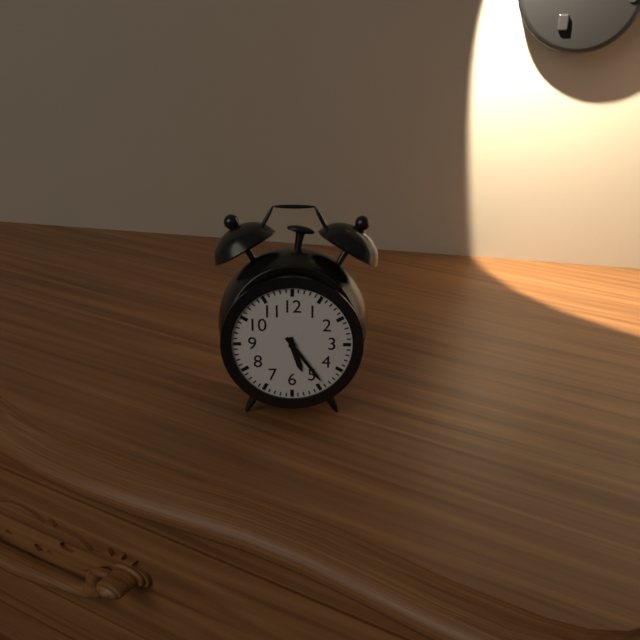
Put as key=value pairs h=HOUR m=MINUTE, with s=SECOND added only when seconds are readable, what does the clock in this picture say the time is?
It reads h=5 m=24
